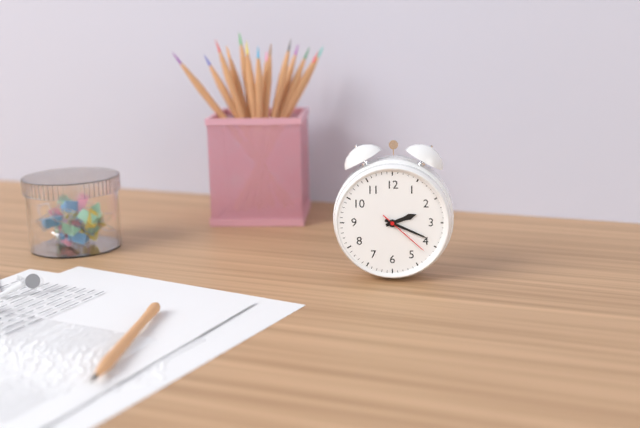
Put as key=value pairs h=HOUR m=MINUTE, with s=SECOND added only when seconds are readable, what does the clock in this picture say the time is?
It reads h=2 m=19 s=22
